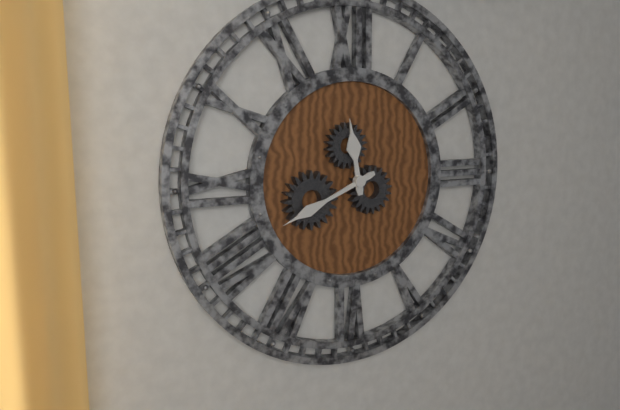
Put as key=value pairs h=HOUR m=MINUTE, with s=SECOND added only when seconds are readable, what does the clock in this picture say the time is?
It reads h=11 m=41
